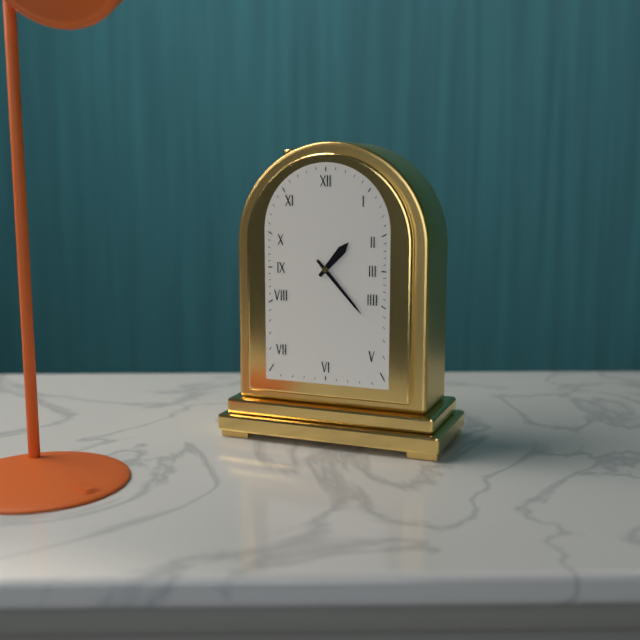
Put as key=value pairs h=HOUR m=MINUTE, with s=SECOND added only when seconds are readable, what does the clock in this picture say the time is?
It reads h=1 m=23
